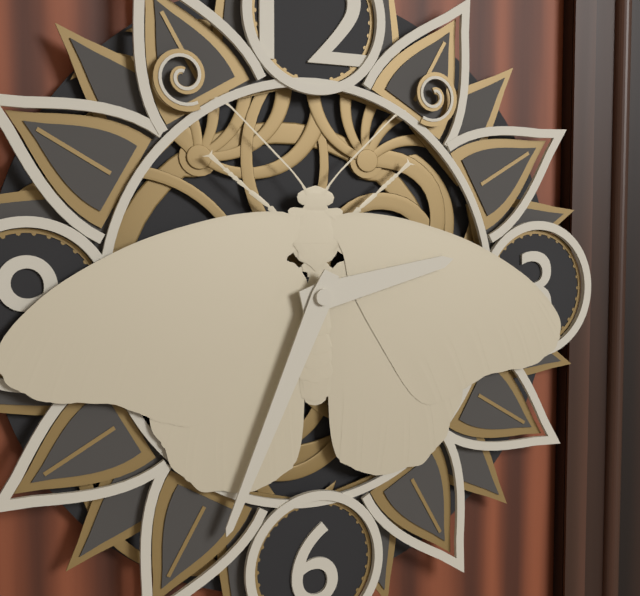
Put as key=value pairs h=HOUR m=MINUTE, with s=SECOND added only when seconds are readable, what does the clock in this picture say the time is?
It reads h=2 m=34
